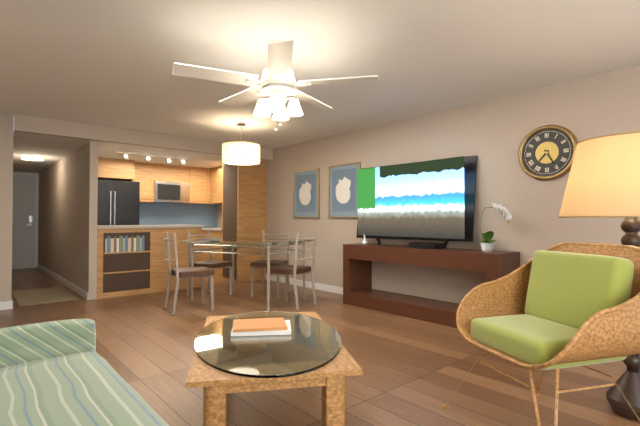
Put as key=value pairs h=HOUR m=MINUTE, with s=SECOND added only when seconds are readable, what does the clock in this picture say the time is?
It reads h=7 m=25
